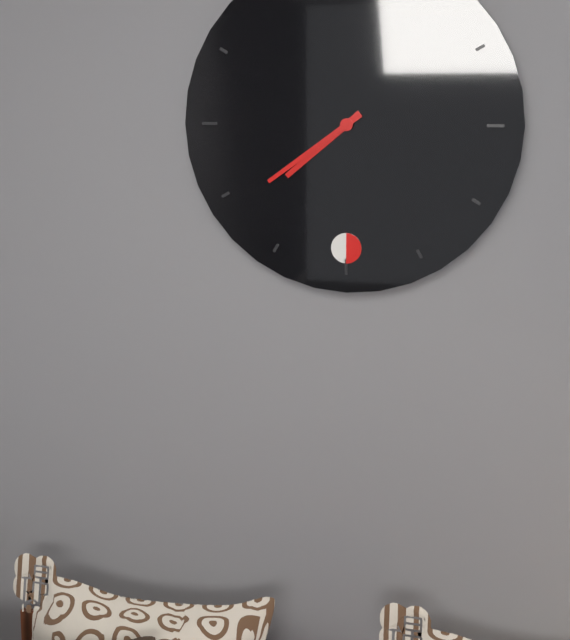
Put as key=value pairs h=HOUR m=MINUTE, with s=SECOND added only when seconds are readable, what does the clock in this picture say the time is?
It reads h=7 m=39
